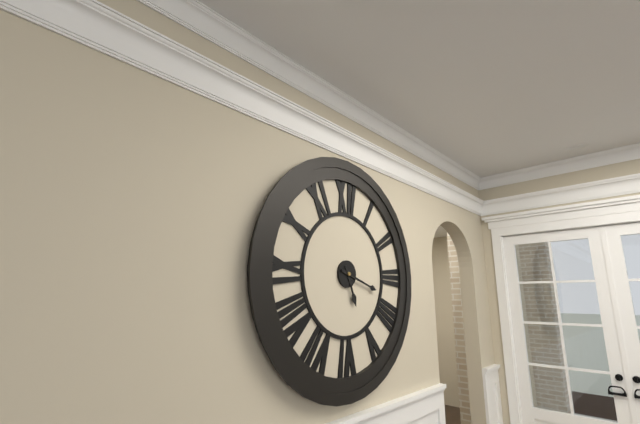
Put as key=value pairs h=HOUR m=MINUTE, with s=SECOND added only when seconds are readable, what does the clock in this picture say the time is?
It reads h=5 m=18
